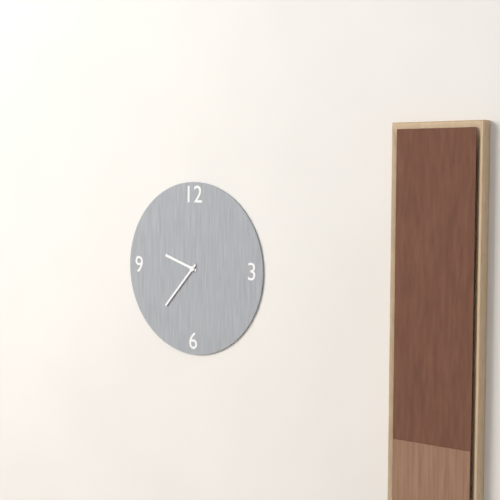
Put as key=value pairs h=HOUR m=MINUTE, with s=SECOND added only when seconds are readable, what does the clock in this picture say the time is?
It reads h=9 m=37
